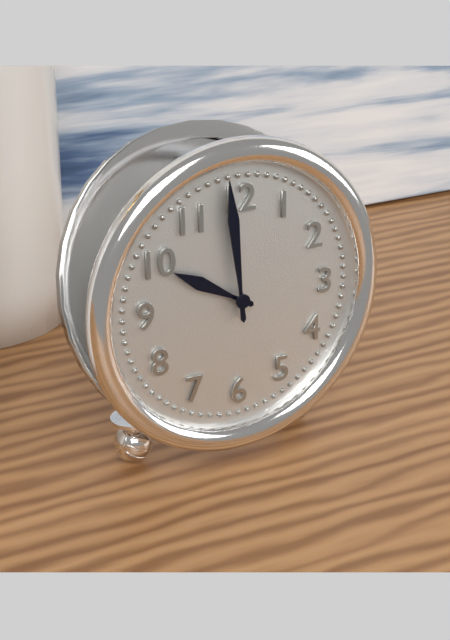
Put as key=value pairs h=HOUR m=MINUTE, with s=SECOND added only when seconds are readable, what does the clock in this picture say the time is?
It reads h=9 m=59
